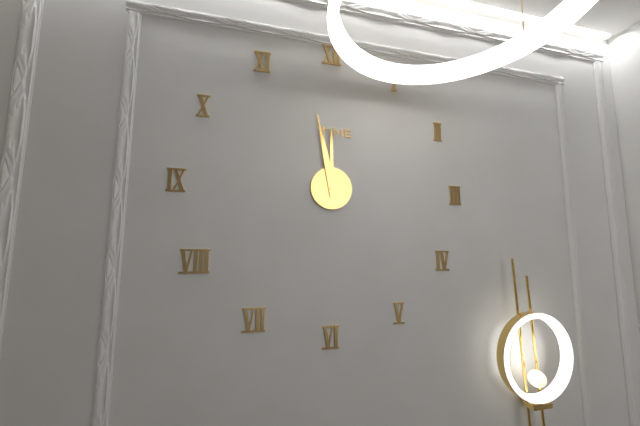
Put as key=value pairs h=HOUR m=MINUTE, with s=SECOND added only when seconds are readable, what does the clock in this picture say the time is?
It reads h=11 m=58
